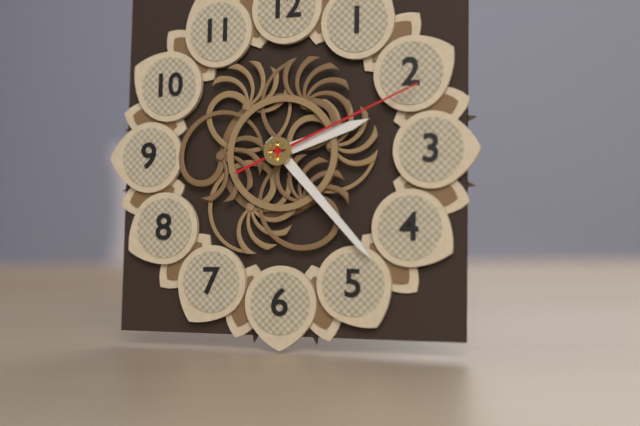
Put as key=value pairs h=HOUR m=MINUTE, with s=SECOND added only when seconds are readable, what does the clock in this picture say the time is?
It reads h=2 m=23 s=11
